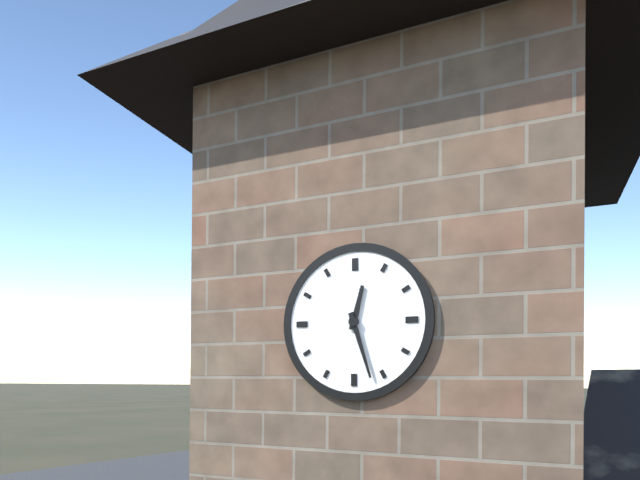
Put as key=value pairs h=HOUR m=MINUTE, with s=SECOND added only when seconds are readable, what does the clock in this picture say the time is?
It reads h=12 m=27
